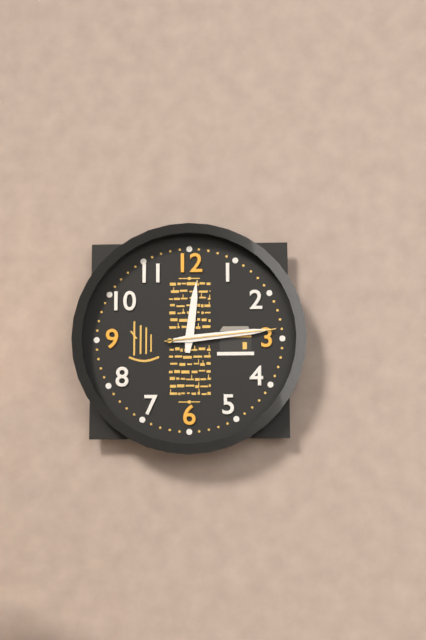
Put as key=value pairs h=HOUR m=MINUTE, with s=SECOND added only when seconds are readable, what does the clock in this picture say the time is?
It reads h=12 m=14 s=14
